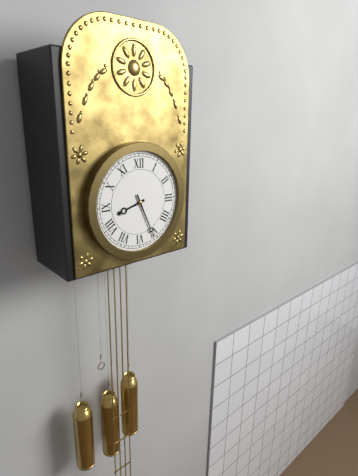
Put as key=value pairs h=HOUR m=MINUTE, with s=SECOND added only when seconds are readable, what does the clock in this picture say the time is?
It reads h=8 m=26
